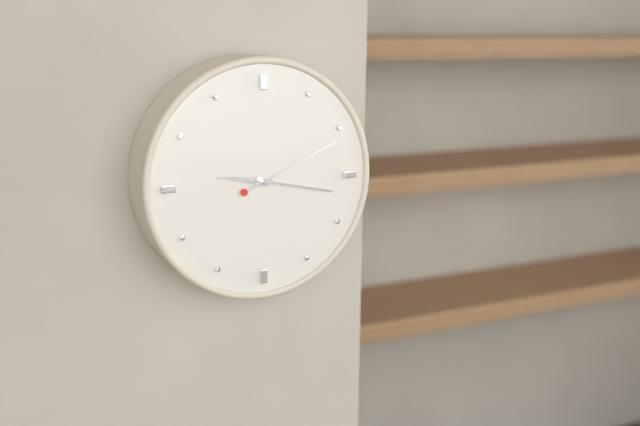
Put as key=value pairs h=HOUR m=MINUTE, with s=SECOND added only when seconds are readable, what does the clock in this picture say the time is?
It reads h=9 m=17 s=11
